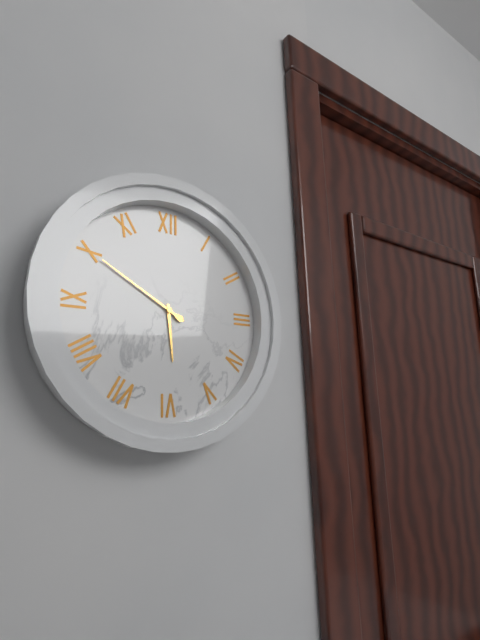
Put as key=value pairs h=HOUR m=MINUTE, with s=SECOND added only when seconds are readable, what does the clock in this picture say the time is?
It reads h=5 m=50
